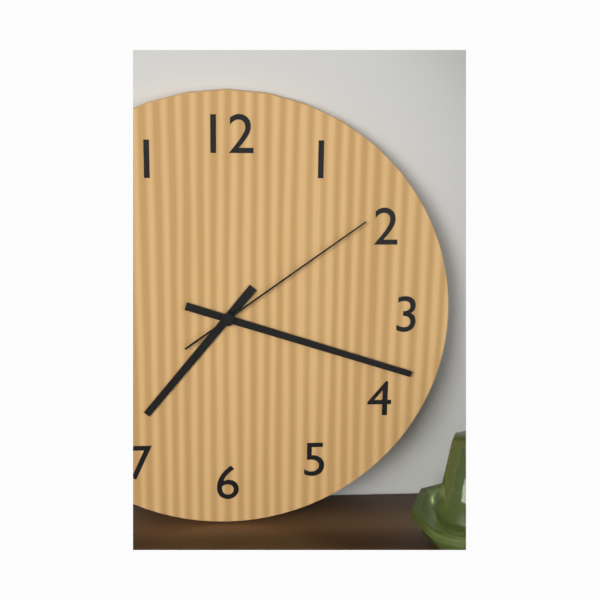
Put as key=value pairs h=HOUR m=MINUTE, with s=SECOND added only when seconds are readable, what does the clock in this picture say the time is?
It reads h=7 m=18 s=9
